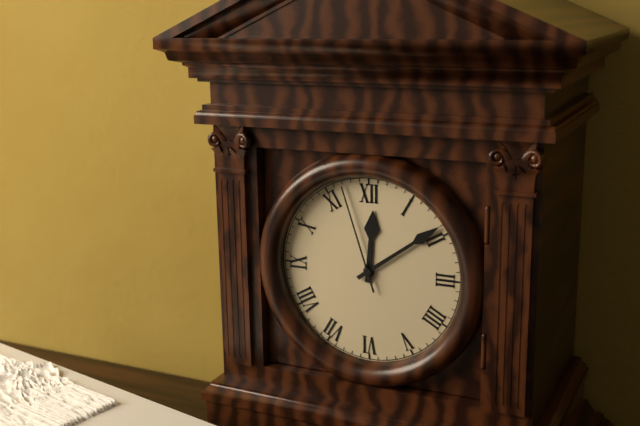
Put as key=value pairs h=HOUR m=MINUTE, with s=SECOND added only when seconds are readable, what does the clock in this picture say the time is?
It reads h=12 m=9 s=57
